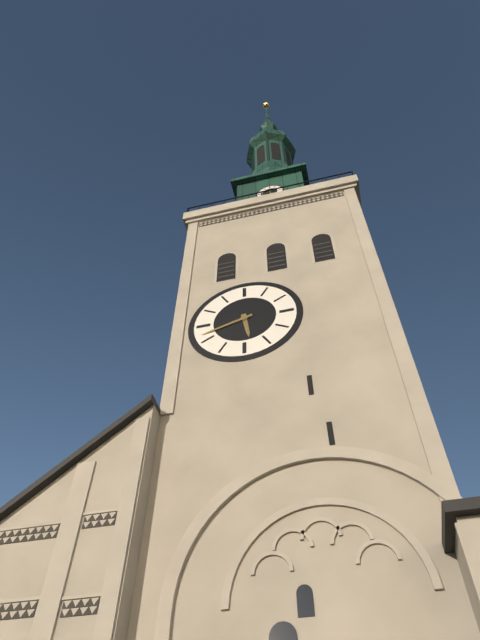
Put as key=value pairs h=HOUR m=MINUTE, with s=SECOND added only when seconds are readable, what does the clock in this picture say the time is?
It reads h=5 m=42
